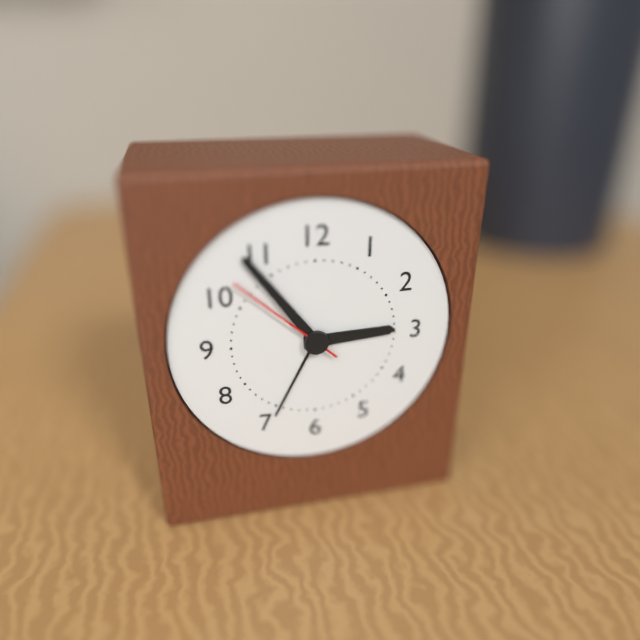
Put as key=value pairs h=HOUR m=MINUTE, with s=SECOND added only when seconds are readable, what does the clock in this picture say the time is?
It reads h=2 m=54 s=52
